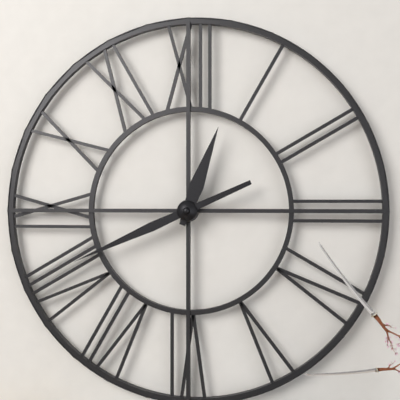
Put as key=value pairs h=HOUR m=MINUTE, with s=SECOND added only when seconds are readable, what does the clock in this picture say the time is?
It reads h=12 m=41
